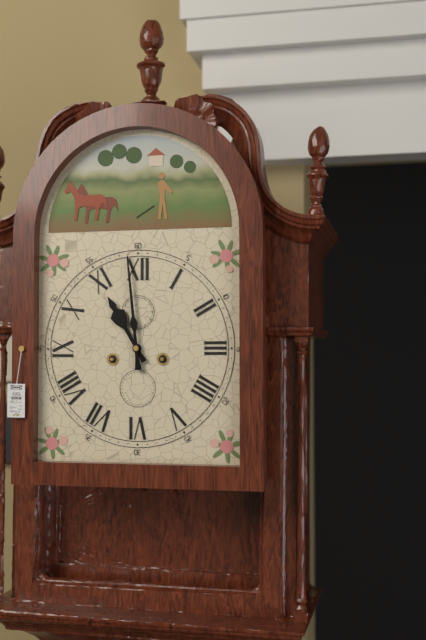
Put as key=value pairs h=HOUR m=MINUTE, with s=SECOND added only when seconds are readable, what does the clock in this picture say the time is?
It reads h=10 m=59
